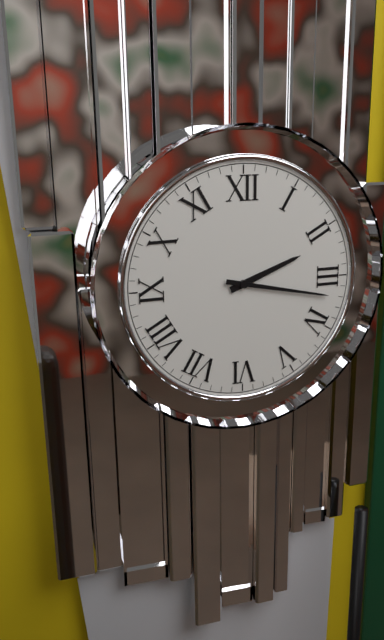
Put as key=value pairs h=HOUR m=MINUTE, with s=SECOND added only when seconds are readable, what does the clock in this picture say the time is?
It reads h=2 m=17
